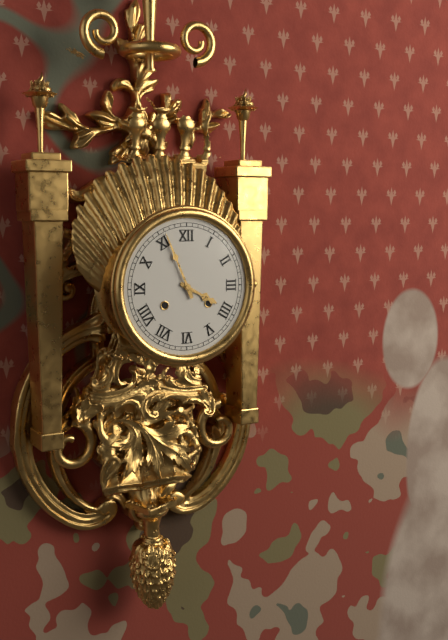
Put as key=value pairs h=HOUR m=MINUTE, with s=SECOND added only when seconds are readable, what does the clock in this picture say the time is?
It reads h=3 m=56
